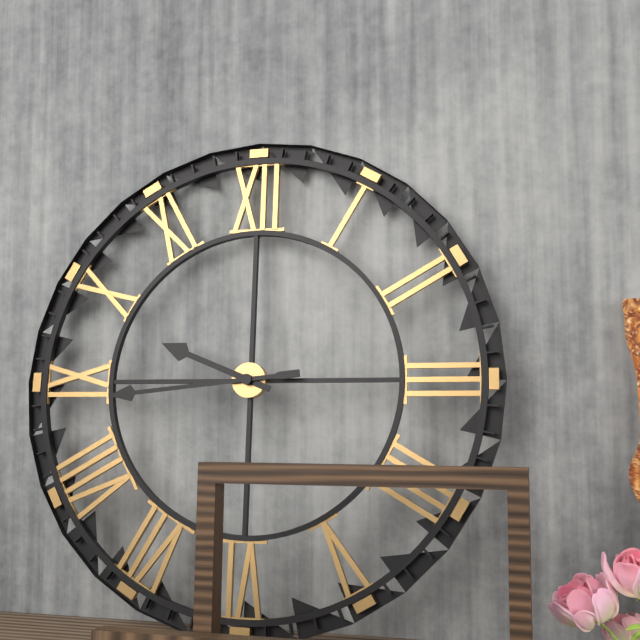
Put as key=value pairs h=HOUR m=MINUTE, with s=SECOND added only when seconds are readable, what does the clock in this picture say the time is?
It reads h=9 m=44
